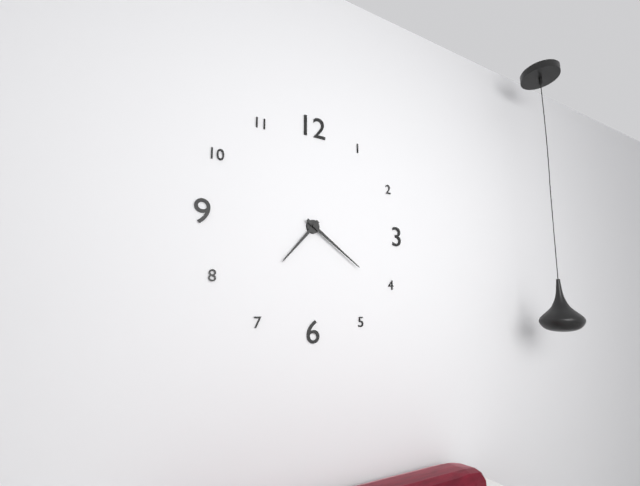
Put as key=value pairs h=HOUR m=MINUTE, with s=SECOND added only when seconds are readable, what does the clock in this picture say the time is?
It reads h=7 m=21
